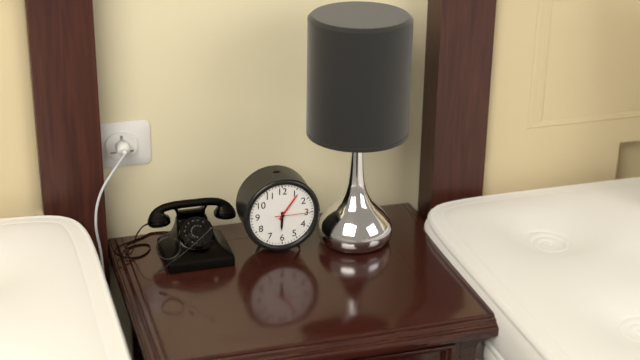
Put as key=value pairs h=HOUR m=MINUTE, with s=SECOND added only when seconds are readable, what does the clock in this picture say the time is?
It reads h=6 m=6
